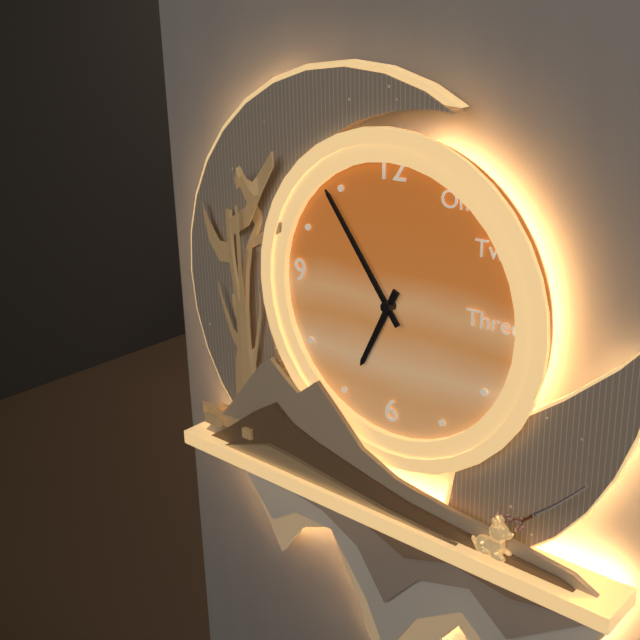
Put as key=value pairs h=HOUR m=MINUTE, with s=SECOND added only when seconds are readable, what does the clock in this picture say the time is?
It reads h=6 m=54
